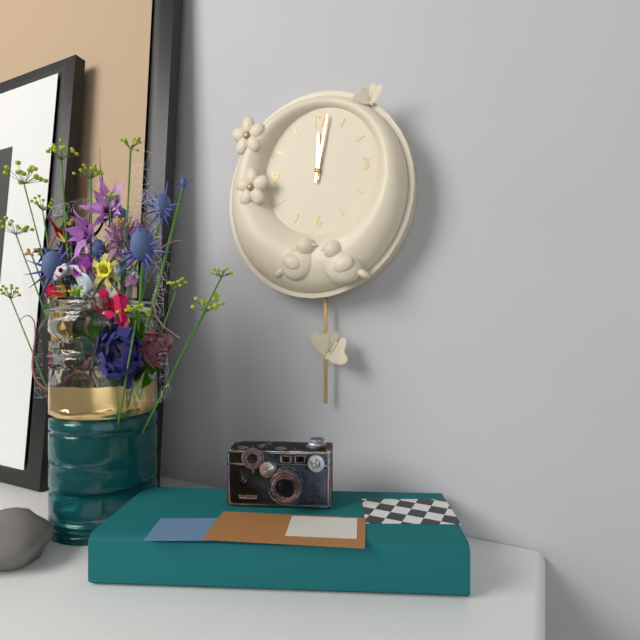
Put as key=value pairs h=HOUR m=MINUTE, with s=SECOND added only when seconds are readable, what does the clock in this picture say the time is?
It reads h=12 m=2
